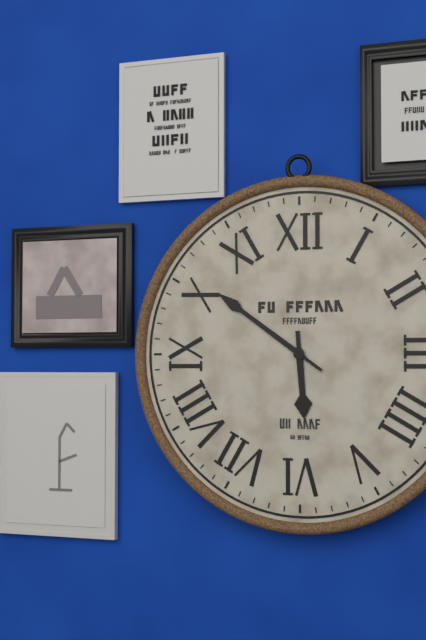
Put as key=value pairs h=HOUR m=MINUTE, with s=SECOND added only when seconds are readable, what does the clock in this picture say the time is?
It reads h=5 m=51
